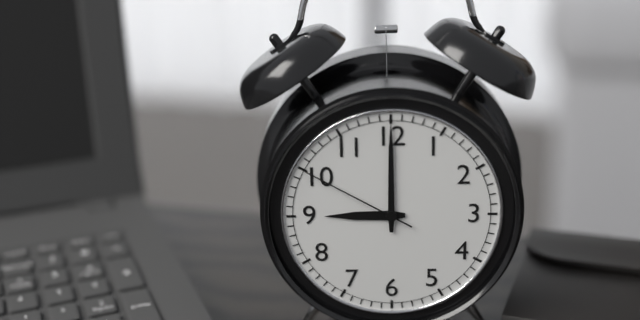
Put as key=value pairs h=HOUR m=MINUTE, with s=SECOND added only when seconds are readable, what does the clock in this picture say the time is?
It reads h=9 m=0 s=50
